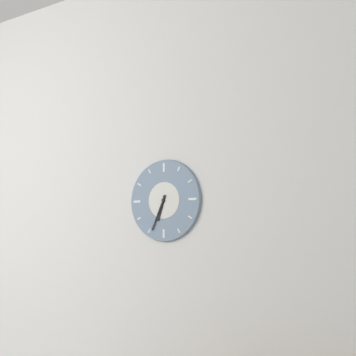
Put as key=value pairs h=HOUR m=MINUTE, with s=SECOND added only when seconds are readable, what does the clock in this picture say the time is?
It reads h=6 m=34
